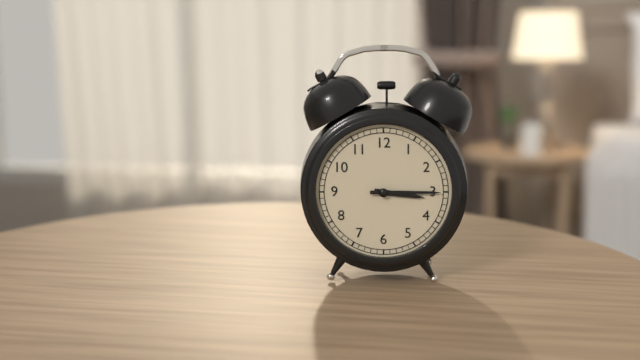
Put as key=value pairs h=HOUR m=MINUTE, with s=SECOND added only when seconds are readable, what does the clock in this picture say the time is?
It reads h=3 m=15
